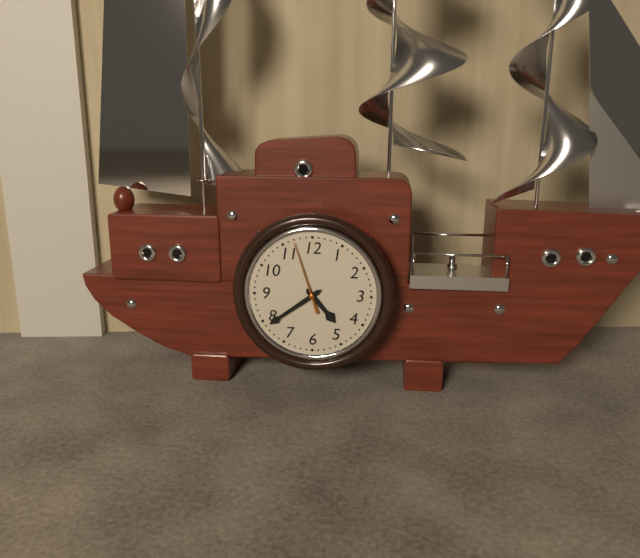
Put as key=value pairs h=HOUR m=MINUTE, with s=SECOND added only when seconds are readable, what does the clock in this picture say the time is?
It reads h=4 m=39 s=57
